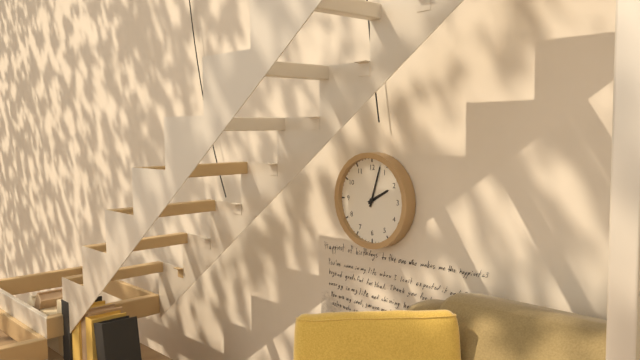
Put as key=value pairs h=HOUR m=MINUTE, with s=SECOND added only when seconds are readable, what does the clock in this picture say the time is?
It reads h=2 m=3
